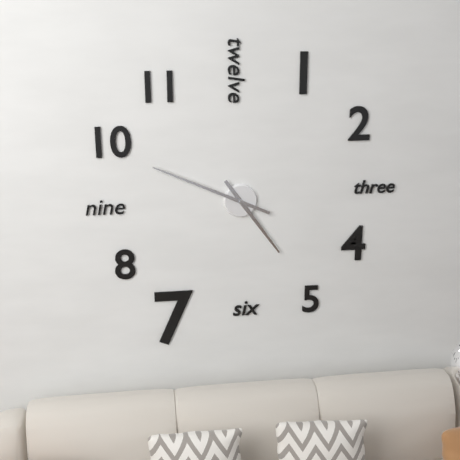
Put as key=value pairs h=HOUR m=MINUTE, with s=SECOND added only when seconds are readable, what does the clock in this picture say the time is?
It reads h=4 m=49
